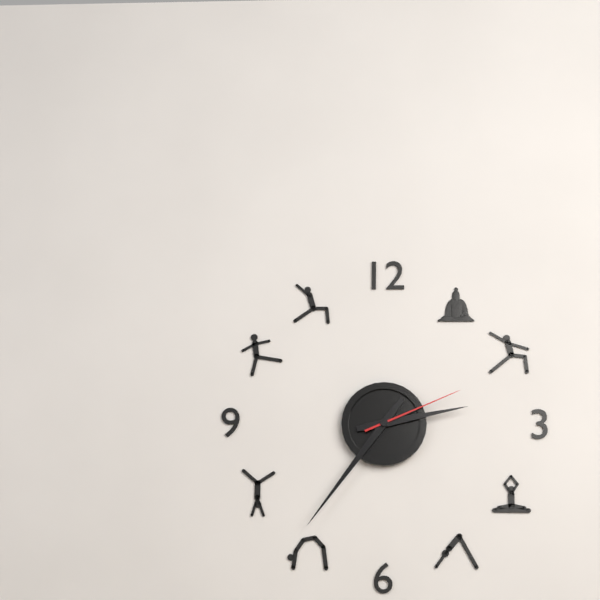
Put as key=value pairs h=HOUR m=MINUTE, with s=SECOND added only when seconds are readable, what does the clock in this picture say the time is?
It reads h=2 m=36 s=11
